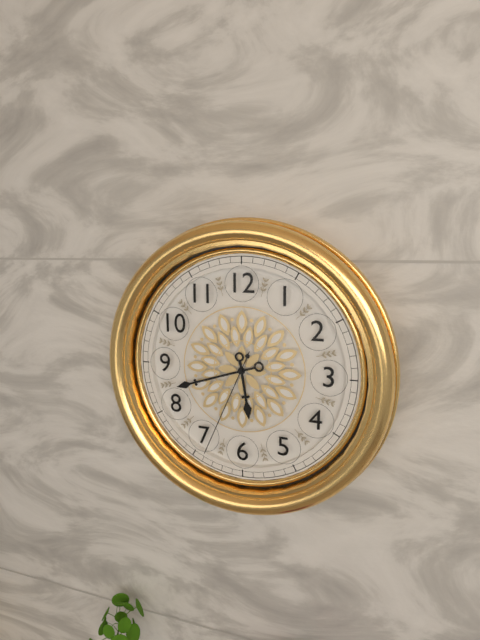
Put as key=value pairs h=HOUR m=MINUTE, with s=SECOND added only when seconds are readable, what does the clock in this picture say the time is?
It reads h=5 m=42 s=34
